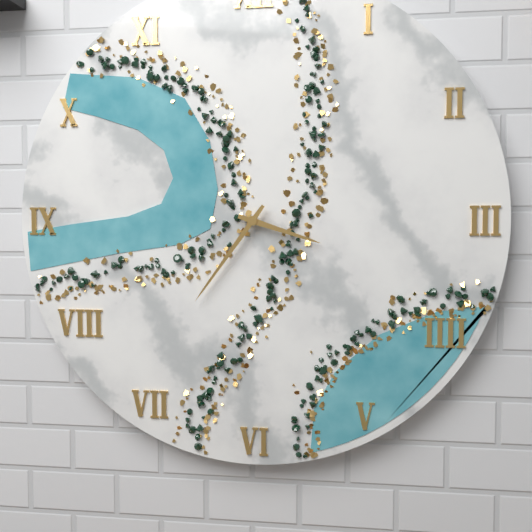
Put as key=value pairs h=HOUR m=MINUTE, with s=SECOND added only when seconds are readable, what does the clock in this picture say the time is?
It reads h=3 m=36
